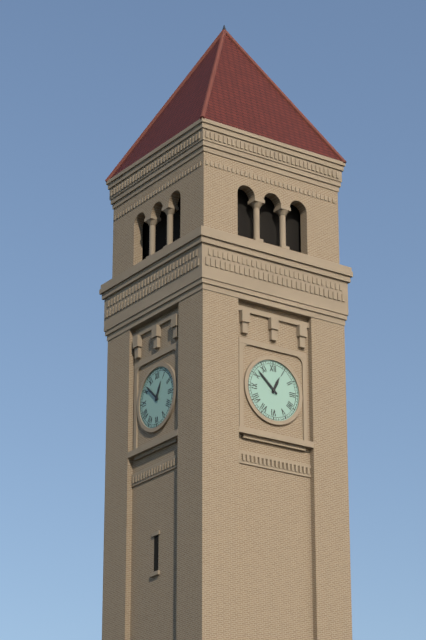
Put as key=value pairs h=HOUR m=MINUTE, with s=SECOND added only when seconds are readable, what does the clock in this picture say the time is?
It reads h=12 m=52
